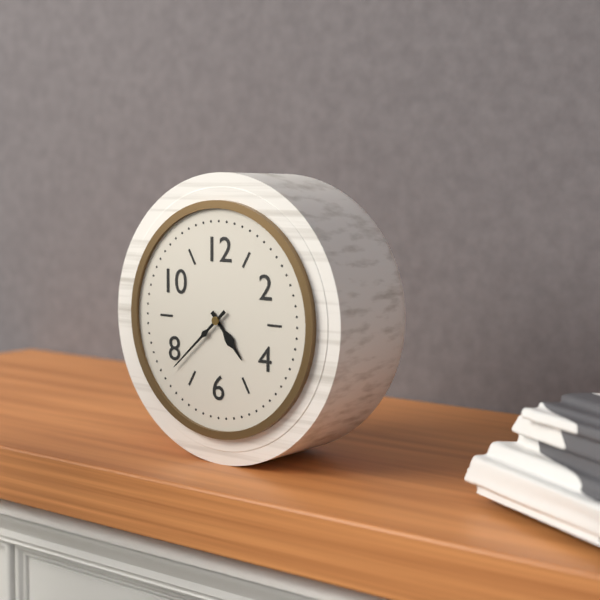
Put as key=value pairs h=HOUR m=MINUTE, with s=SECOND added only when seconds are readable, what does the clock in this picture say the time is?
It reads h=4 m=38
